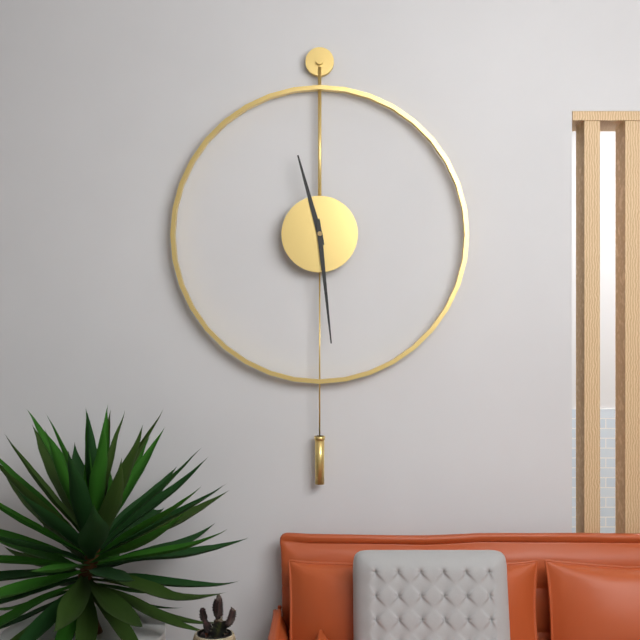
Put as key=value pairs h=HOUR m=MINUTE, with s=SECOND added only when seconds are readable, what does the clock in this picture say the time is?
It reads h=11 m=29
